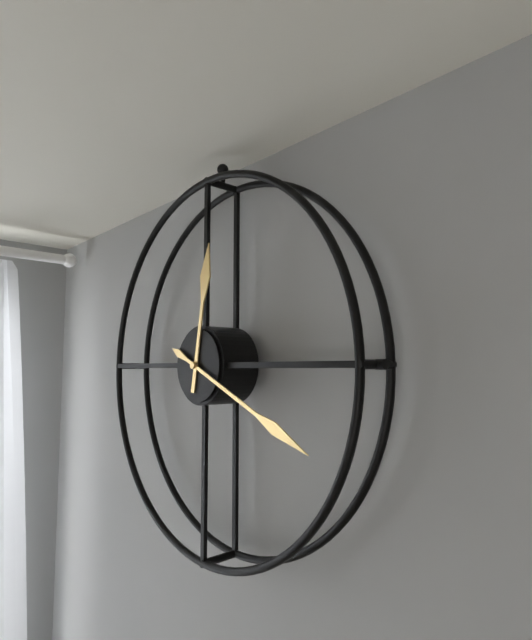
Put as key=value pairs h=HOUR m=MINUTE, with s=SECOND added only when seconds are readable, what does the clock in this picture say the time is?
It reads h=12 m=19
